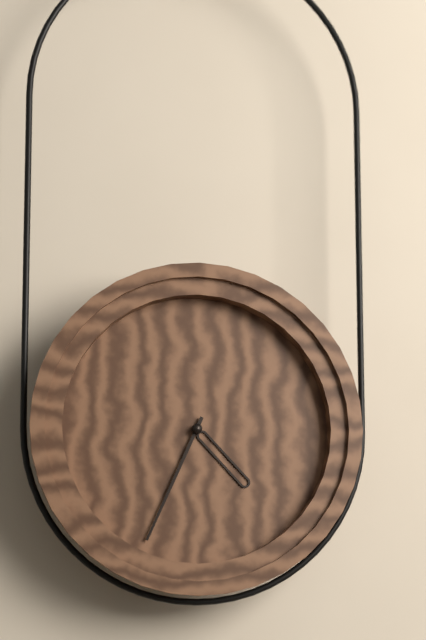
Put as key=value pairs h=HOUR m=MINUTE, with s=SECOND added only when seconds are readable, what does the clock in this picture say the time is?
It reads h=4 m=34
